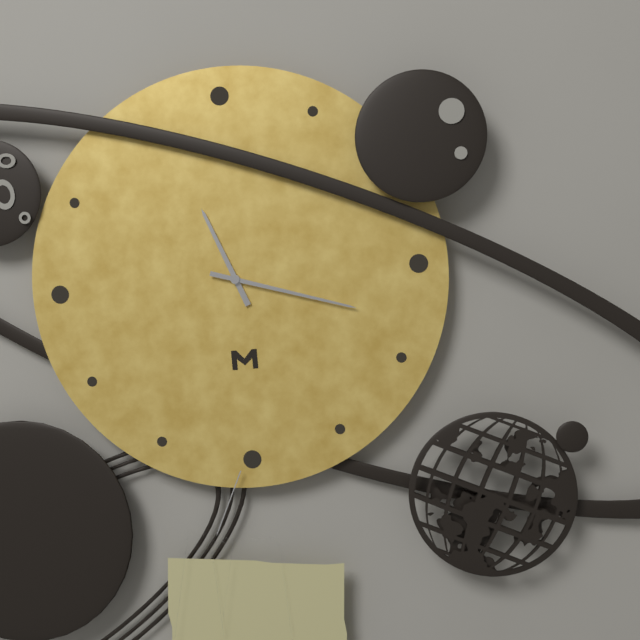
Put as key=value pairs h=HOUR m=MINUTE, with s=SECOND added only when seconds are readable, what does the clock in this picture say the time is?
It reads h=11 m=18
